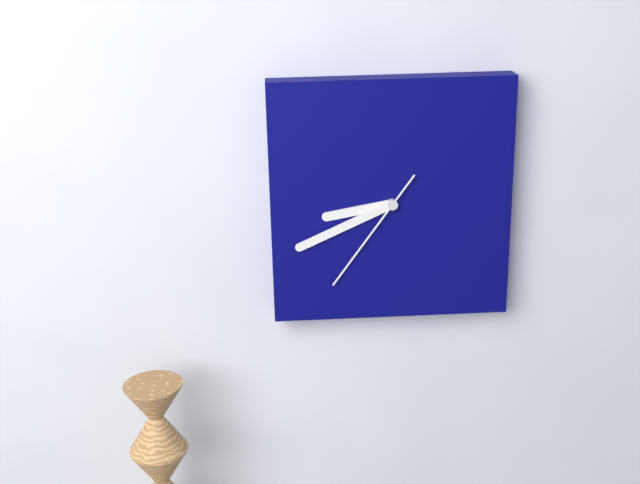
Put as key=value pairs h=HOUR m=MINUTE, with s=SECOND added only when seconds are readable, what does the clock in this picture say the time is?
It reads h=8 m=41 s=36
